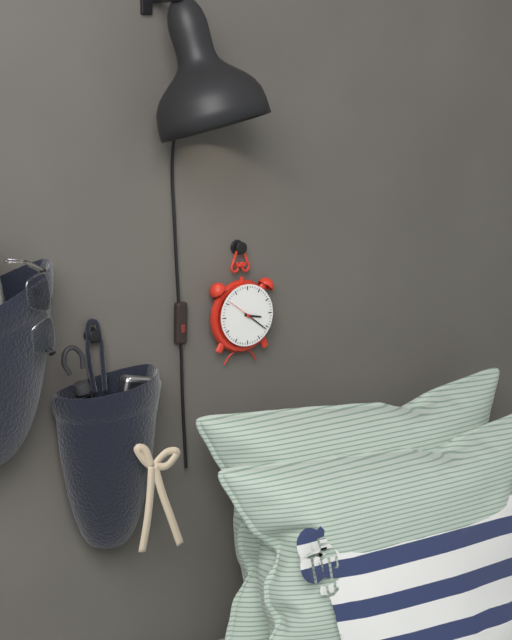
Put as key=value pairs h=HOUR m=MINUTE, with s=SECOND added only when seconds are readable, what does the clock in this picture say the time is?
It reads h=3 m=21
